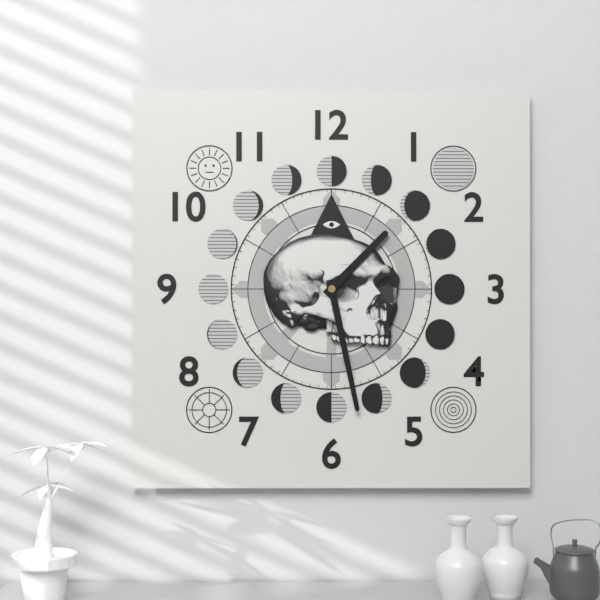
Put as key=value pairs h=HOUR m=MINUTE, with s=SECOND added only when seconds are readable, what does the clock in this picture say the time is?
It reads h=1 m=28
